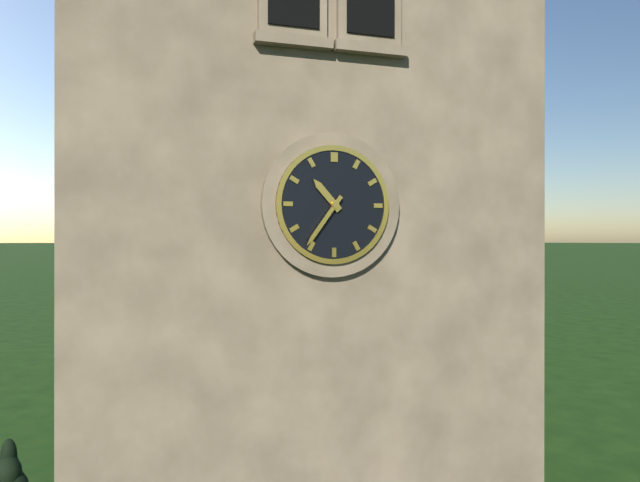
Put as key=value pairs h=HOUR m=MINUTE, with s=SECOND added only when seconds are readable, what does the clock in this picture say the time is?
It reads h=10 m=36
